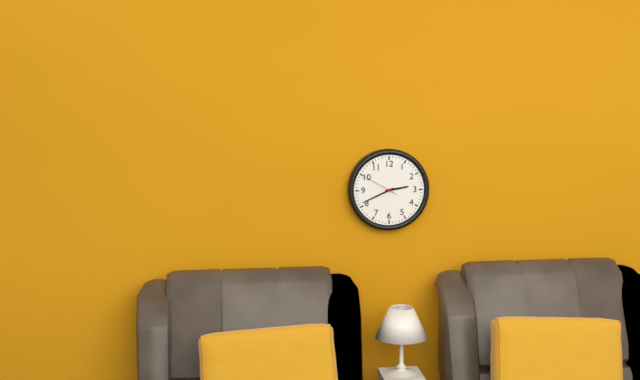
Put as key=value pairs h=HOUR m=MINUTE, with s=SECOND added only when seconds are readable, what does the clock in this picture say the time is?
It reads h=2 m=41
